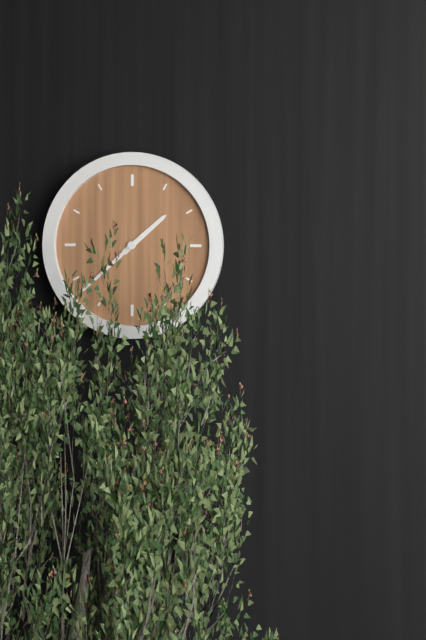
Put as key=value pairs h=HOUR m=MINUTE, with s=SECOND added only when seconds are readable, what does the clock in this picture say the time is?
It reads h=1 m=38
